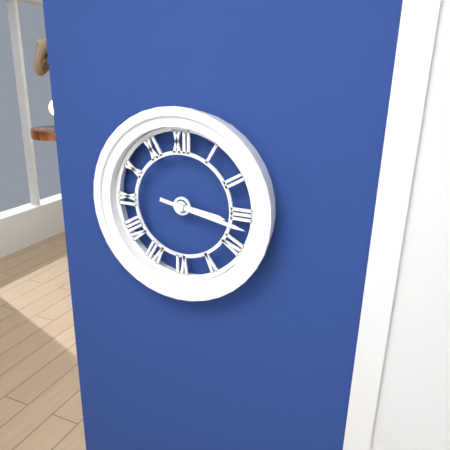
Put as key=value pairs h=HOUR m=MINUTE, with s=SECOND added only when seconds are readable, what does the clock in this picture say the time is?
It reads h=3 m=17
